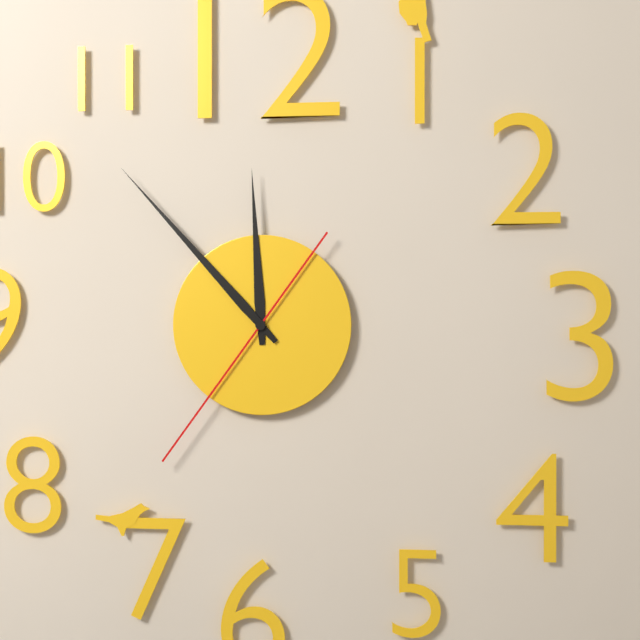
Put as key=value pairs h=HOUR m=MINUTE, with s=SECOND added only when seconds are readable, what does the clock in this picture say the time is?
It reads h=11 m=53 s=36
